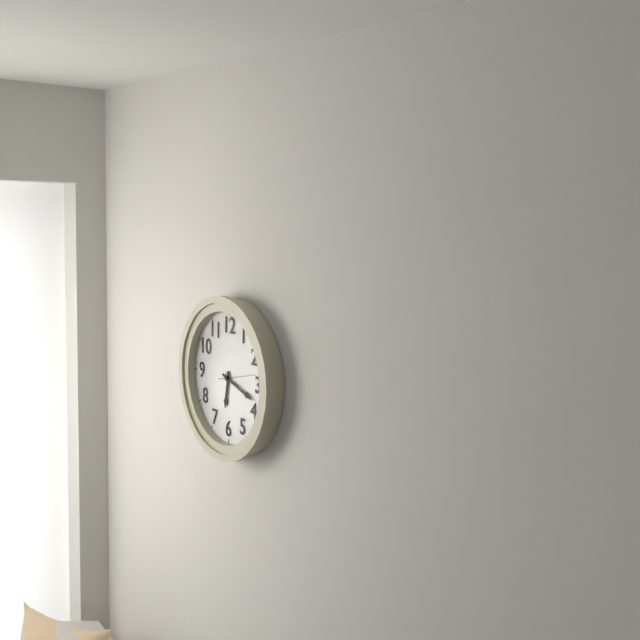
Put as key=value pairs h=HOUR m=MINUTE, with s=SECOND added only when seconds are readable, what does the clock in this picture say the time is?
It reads h=6 m=18
